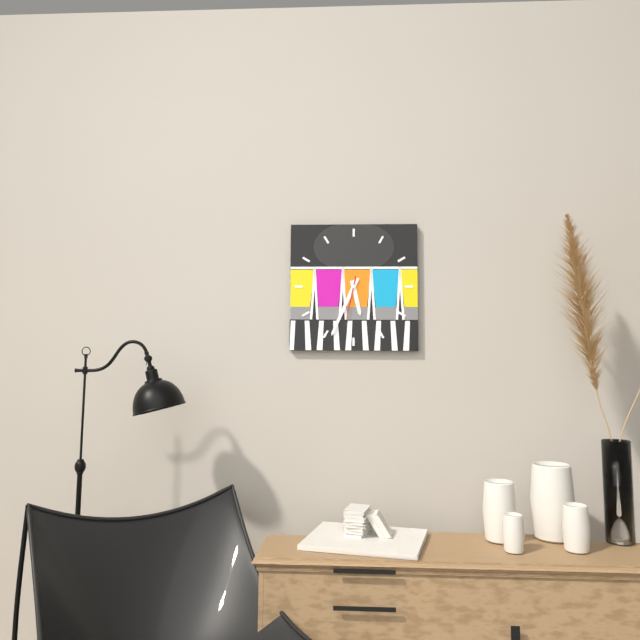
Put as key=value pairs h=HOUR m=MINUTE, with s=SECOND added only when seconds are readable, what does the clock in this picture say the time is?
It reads h=5 m=34
